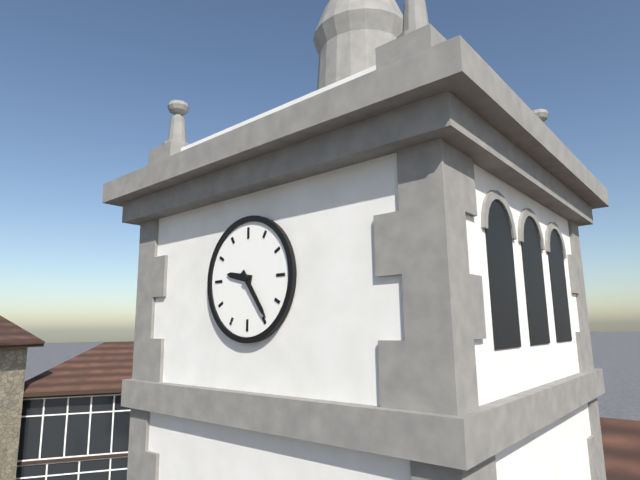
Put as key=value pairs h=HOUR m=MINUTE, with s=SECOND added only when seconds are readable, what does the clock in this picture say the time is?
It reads h=9 m=24
